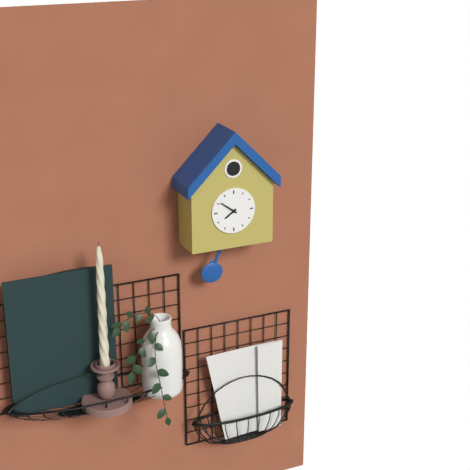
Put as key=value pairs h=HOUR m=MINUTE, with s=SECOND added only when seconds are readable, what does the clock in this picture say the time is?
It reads h=7 m=51
